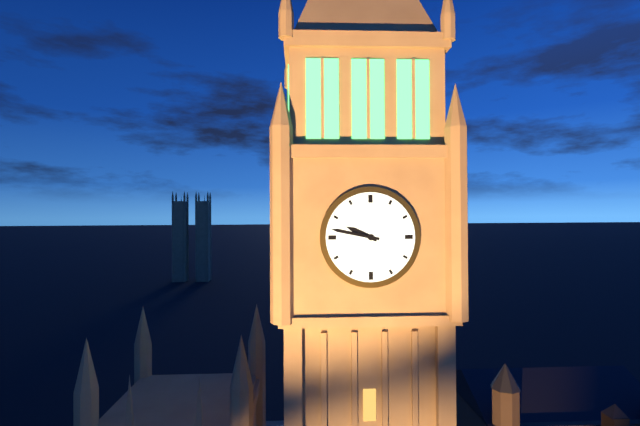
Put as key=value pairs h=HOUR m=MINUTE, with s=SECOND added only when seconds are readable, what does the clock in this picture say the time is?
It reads h=9 m=47
